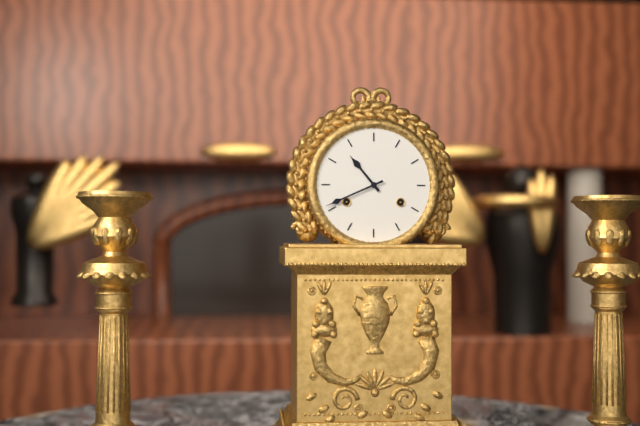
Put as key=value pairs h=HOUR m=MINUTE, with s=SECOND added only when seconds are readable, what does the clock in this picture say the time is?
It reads h=10 m=41
